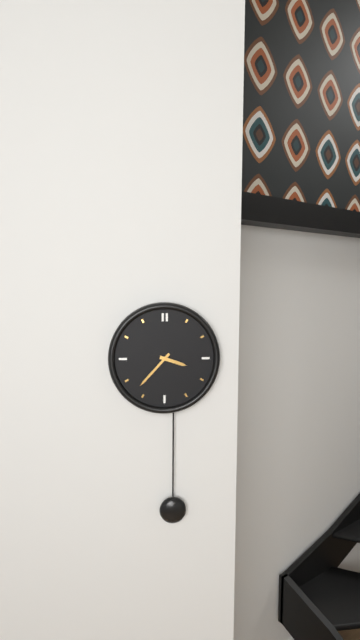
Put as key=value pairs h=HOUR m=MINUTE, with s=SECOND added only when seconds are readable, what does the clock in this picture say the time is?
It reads h=3 m=37
